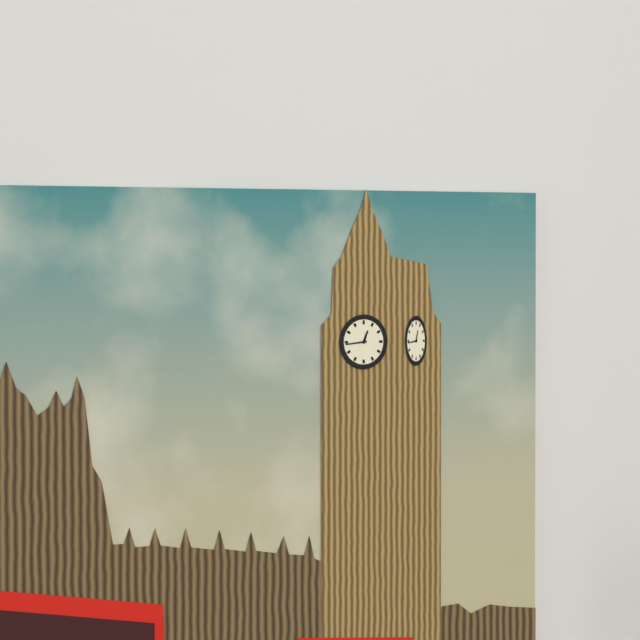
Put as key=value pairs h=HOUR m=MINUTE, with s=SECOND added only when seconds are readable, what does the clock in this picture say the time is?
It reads h=12 m=44
